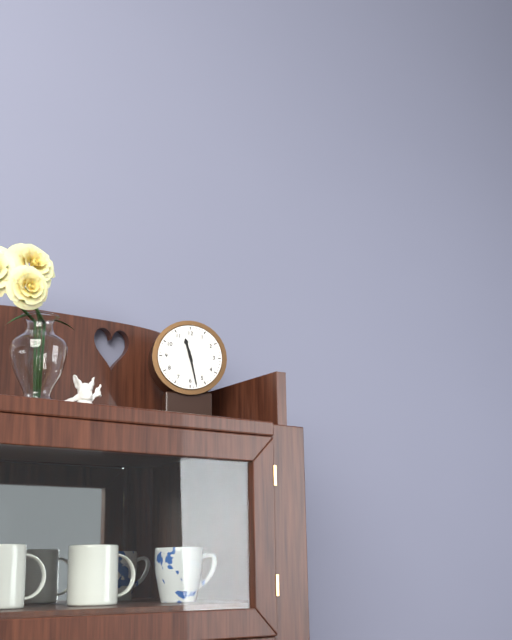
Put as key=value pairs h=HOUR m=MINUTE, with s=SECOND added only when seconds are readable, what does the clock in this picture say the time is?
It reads h=11 m=28
